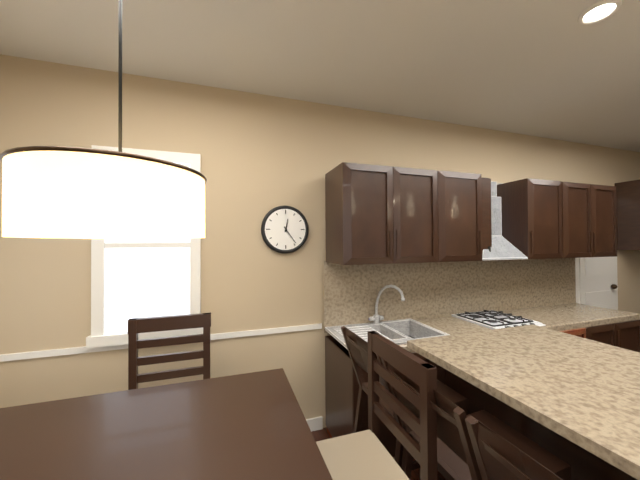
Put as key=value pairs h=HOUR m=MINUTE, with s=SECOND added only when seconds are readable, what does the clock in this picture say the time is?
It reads h=12 m=24
